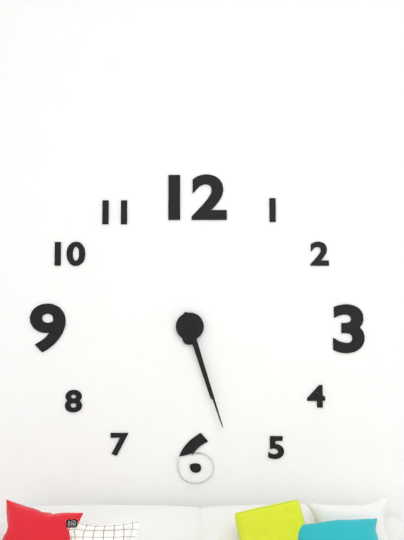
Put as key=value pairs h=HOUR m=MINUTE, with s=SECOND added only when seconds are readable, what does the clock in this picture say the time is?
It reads h=5 m=27
